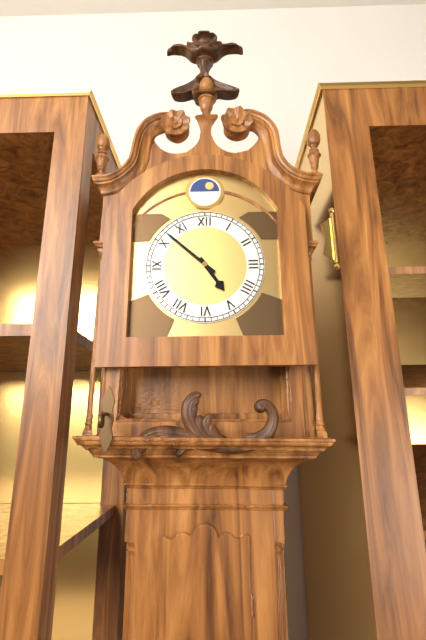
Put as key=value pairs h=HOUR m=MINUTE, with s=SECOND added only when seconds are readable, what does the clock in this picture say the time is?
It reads h=4 m=52
